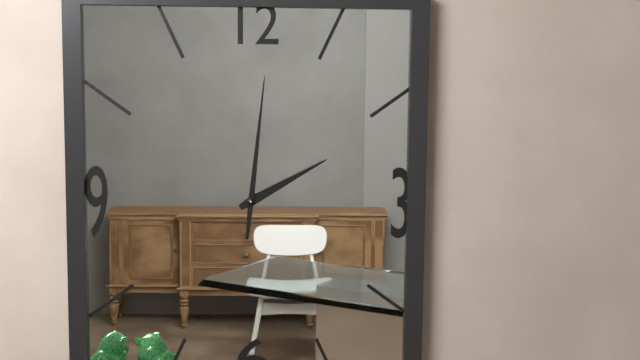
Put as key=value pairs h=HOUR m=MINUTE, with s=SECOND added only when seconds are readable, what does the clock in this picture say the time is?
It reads h=2 m=1
